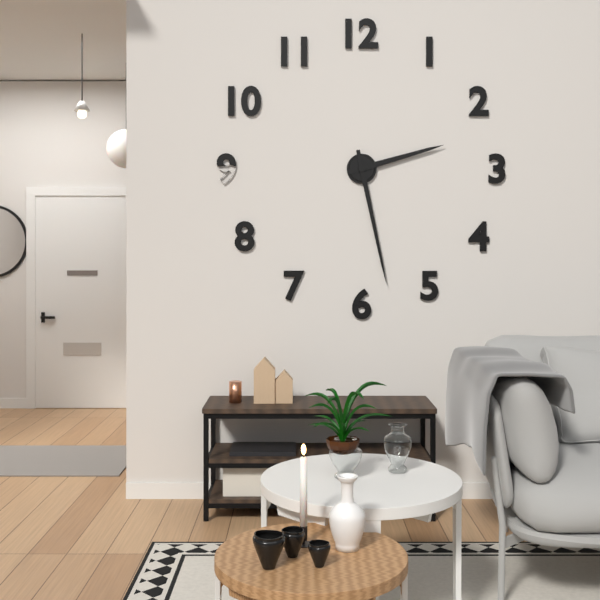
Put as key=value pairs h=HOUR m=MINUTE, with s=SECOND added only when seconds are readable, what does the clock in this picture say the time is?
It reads h=2 m=28
